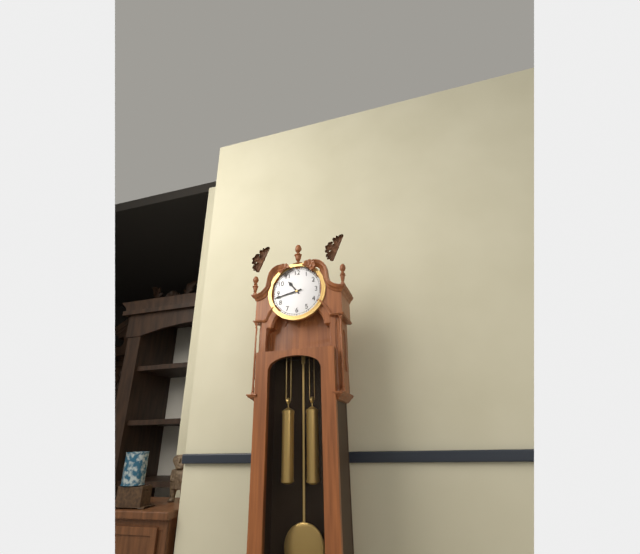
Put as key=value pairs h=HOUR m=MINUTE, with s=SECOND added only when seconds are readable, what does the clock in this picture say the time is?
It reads h=10 m=43
